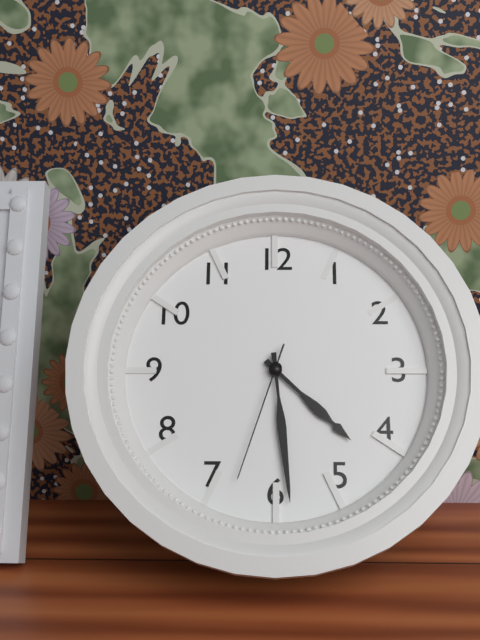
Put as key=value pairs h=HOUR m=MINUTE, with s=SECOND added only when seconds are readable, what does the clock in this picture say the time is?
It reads h=4 m=29 s=33
